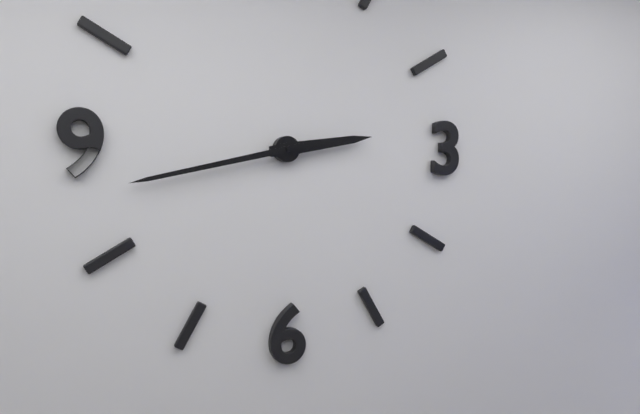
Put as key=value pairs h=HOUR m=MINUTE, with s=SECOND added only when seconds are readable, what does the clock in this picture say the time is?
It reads h=2 m=43
